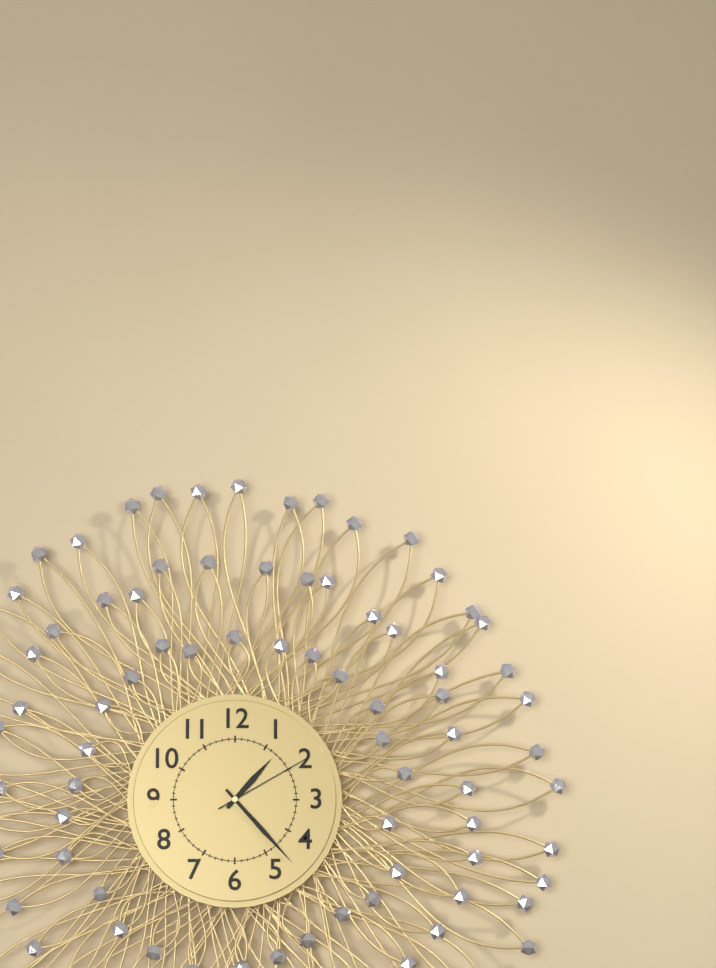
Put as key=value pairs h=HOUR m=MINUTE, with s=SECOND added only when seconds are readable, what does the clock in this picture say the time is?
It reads h=1 m=23 s=10
